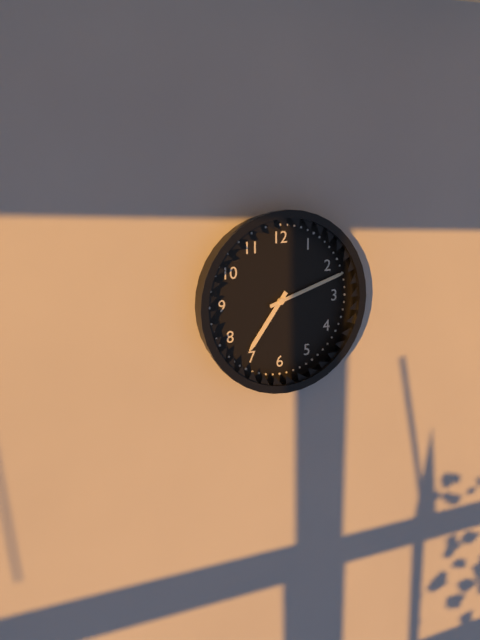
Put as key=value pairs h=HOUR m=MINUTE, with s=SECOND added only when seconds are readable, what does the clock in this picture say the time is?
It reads h=7 m=12
